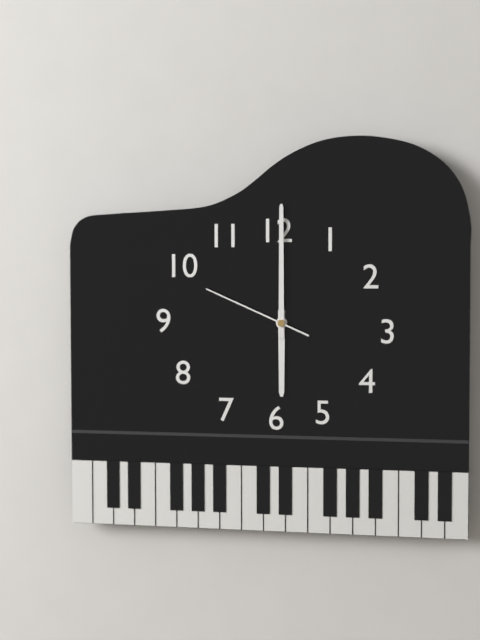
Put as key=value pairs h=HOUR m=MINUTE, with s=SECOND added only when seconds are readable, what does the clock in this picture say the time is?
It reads h=6 m=0 s=49
